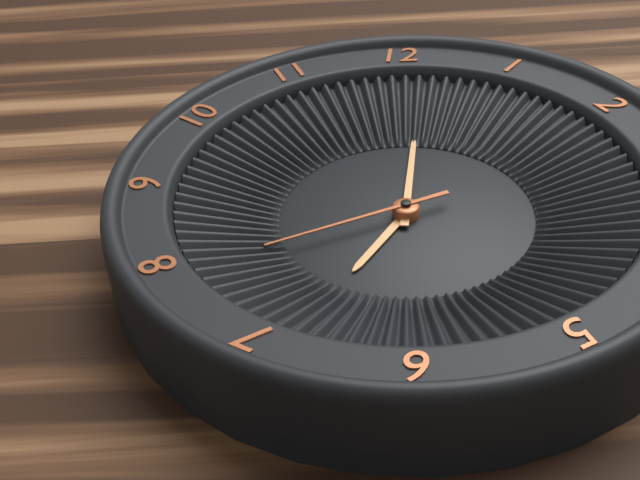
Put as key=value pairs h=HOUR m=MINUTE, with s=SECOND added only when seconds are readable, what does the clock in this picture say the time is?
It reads h=7 m=1 s=41
